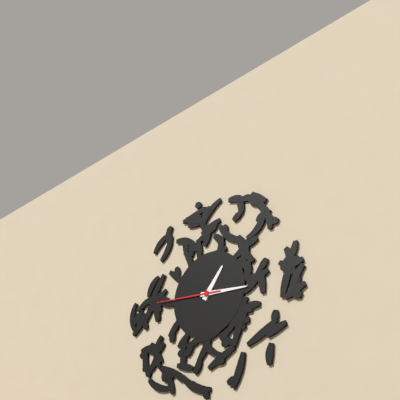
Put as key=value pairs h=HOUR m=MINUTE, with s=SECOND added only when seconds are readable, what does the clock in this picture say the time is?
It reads h=1 m=16 s=46
